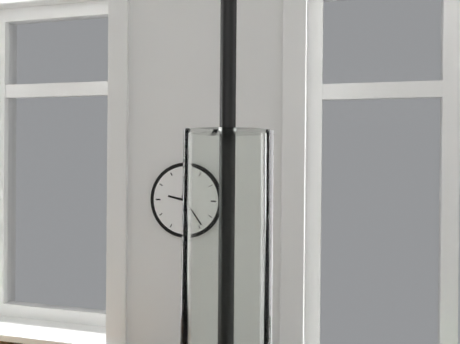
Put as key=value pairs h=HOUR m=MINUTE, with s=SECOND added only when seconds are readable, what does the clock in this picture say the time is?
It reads h=9 m=24
